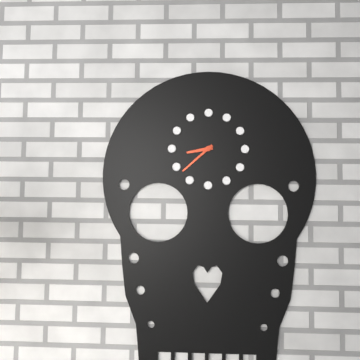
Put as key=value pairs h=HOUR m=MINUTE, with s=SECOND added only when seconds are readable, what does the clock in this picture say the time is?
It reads h=8 m=38
